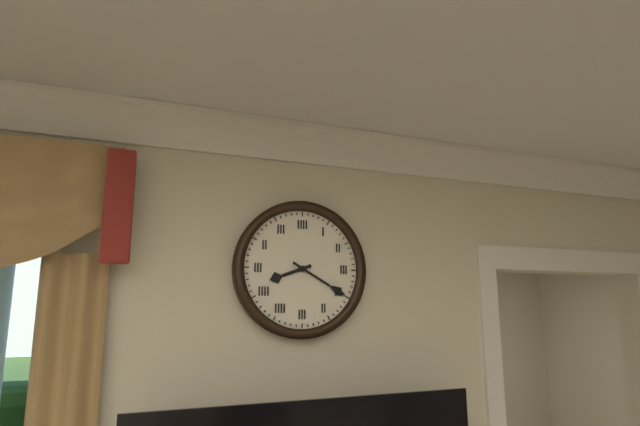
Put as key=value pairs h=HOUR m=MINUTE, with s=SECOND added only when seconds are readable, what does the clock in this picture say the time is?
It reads h=8 m=20
